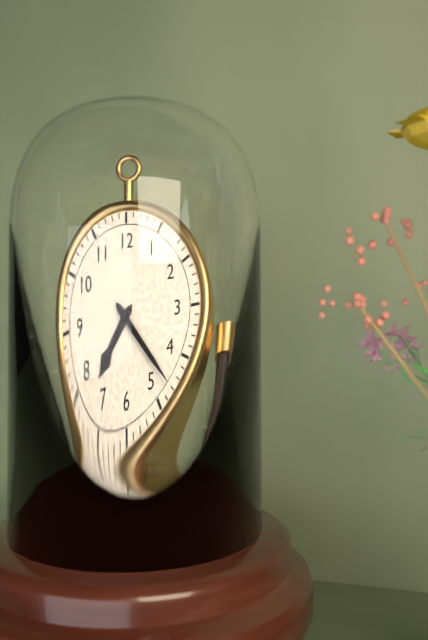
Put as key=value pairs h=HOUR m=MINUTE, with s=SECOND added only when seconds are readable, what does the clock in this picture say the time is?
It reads h=7 m=23
